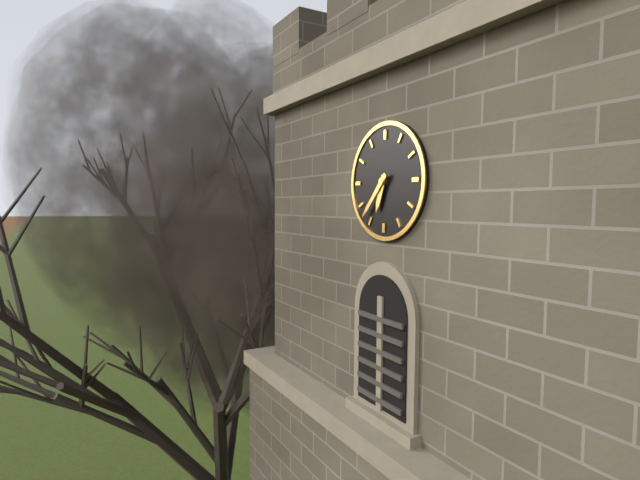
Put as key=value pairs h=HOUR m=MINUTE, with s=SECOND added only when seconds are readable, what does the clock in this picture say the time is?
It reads h=6 m=37
